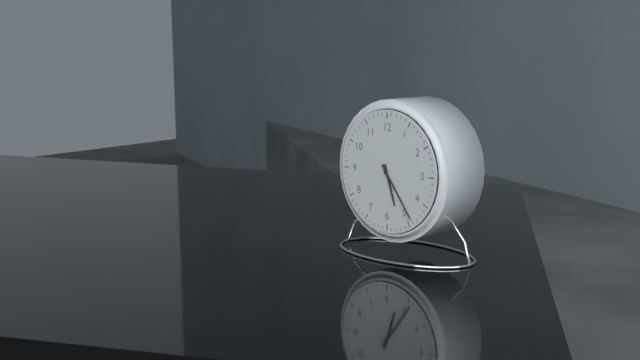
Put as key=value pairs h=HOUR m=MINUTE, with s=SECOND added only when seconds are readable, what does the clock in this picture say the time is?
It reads h=5 m=24
